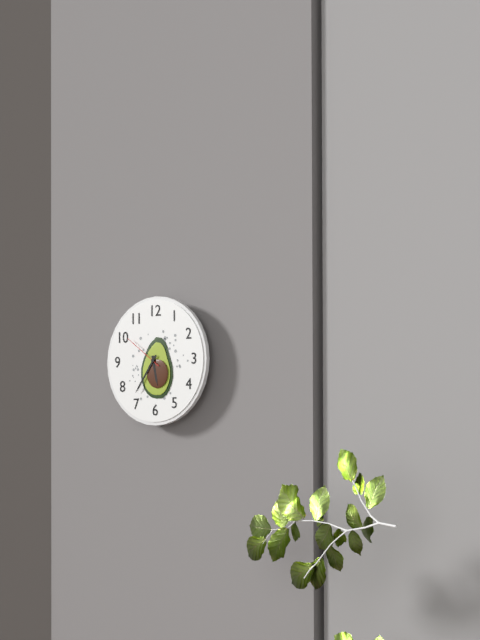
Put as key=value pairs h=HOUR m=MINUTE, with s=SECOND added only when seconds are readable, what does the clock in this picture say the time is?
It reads h=5 m=36
